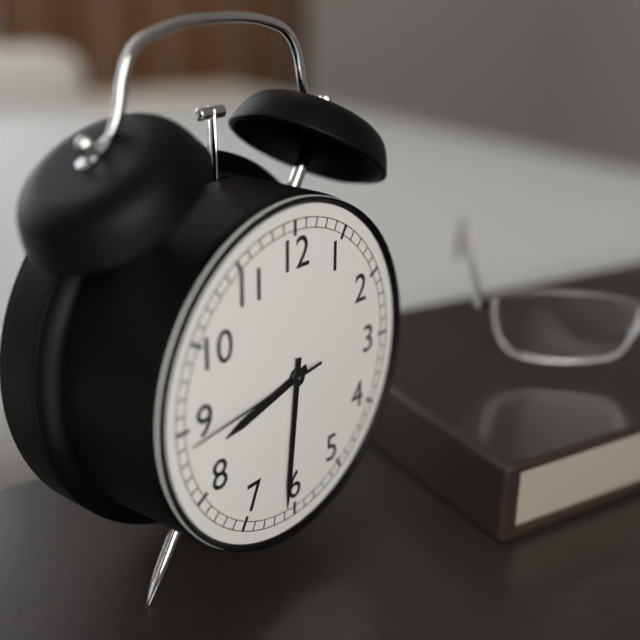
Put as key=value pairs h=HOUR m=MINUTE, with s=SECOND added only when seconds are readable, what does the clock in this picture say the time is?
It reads h=8 m=31 s=44
